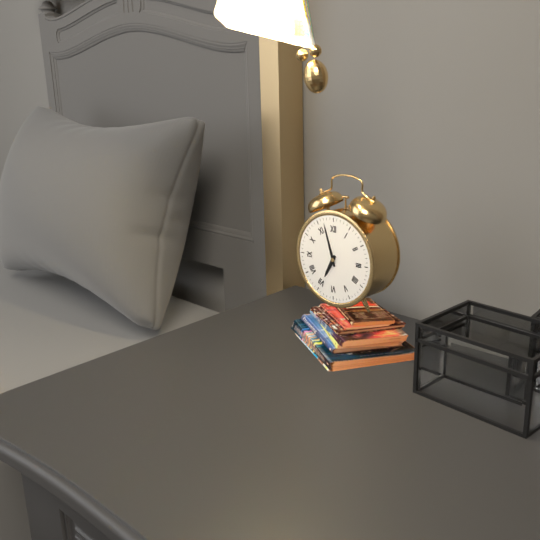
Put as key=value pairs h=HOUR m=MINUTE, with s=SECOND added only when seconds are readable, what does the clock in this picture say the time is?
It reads h=6 m=57
